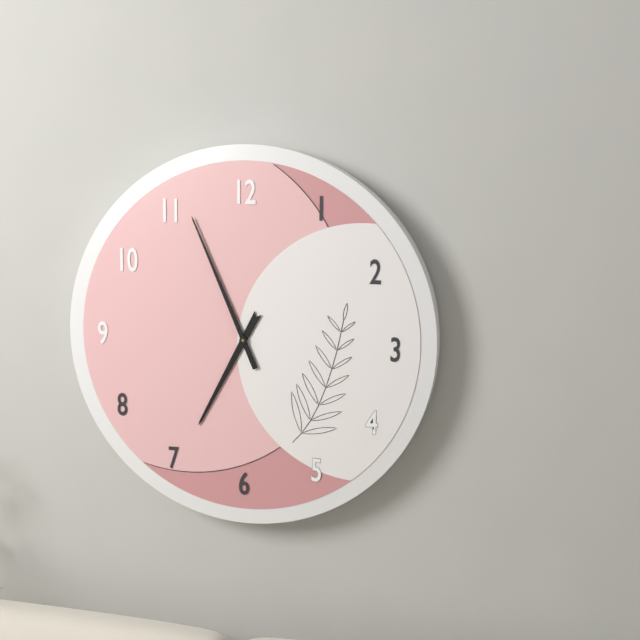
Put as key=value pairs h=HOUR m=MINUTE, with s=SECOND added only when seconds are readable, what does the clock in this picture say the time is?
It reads h=6 m=56
